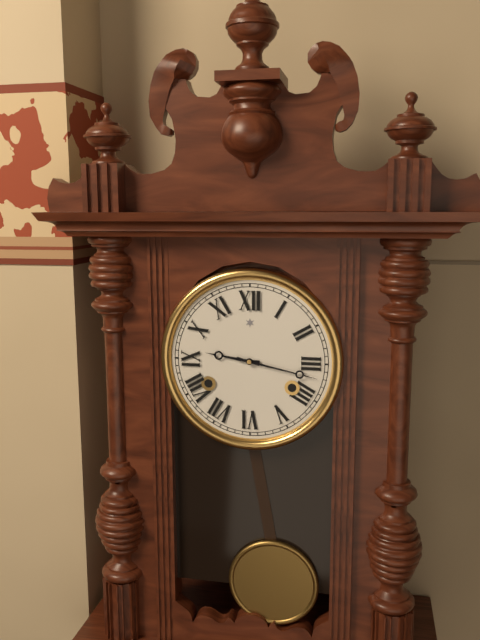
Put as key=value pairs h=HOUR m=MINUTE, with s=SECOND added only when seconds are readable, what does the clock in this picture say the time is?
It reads h=9 m=17
